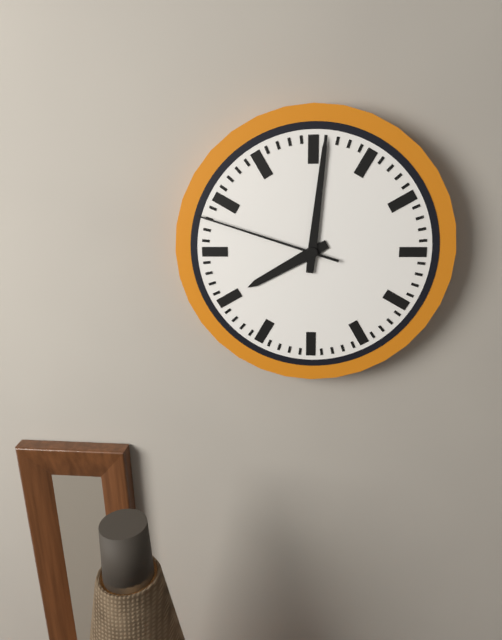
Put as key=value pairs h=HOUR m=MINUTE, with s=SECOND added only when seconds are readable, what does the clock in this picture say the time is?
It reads h=8 m=1 s=48
